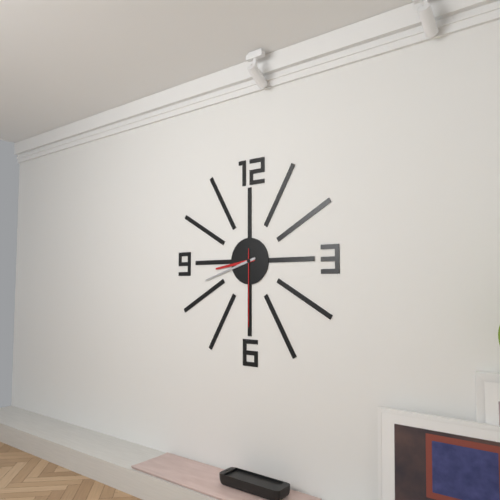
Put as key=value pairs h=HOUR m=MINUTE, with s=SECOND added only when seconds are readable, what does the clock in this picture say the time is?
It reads h=8 m=42 s=30
